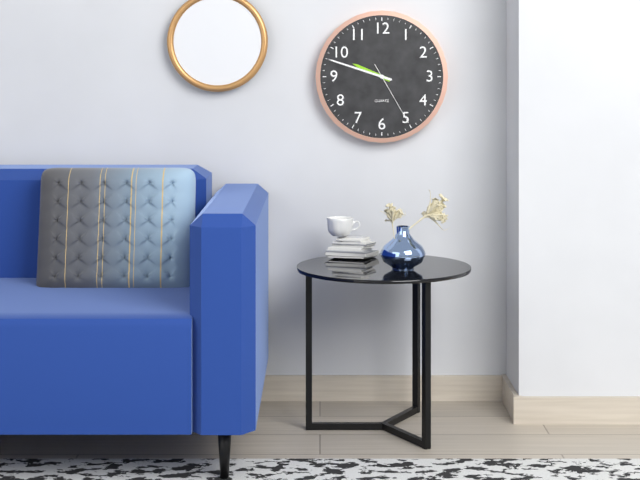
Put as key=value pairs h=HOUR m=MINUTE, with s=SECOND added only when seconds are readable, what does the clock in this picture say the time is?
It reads h=9 m=48 s=25
